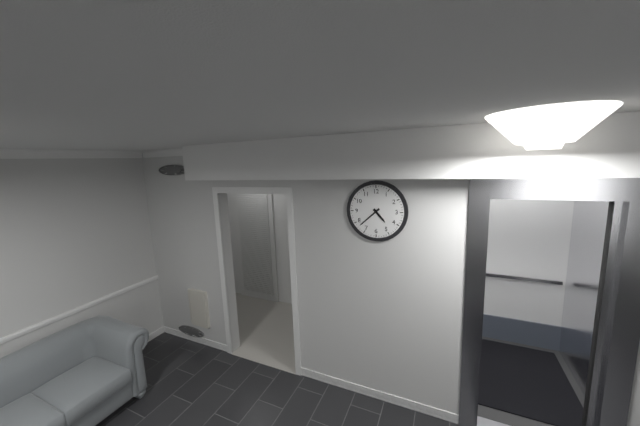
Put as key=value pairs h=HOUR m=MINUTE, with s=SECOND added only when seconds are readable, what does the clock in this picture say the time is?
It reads h=4 m=38
